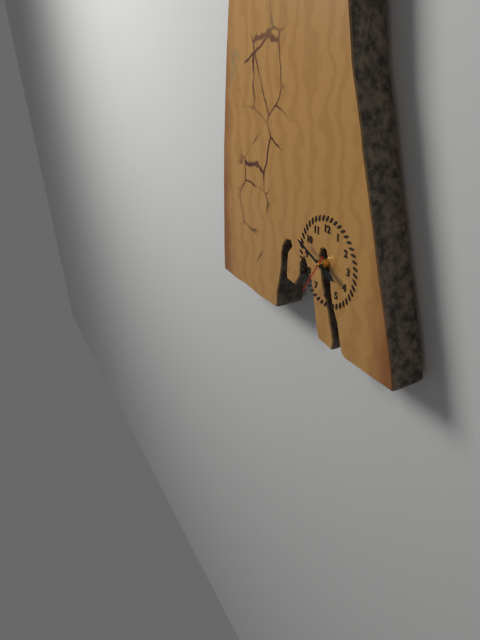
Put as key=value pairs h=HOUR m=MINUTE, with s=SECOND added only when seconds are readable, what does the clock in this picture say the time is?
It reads h=3 m=49
